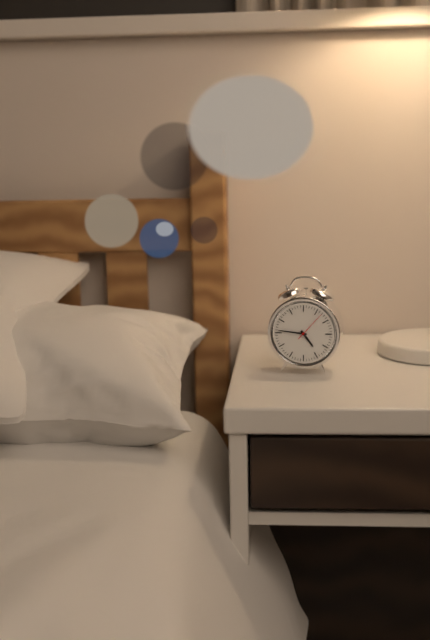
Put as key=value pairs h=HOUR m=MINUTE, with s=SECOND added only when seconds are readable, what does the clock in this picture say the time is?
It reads h=4 m=46
